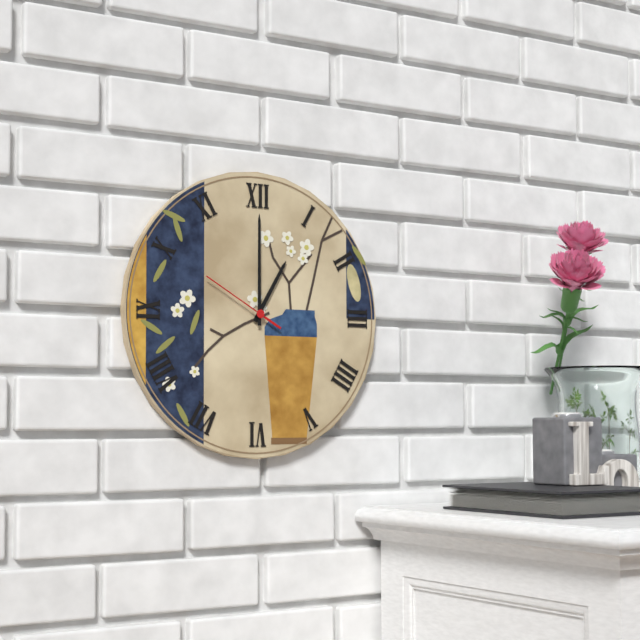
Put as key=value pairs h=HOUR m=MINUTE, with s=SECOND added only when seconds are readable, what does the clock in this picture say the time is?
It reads h=1 m=0 s=50
